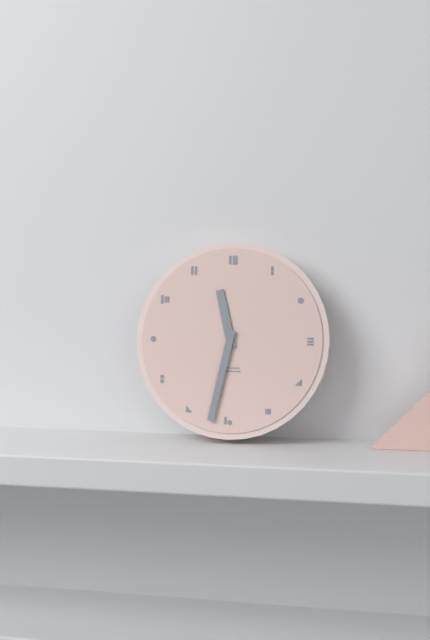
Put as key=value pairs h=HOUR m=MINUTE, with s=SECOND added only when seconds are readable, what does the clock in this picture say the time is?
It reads h=11 m=32
